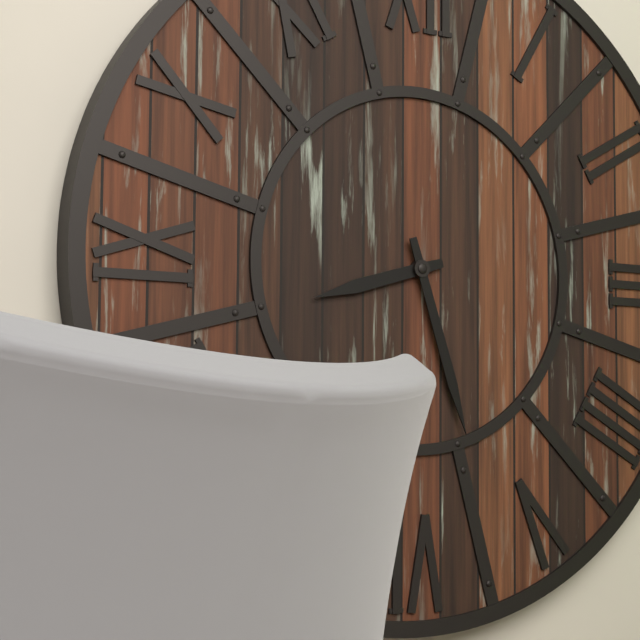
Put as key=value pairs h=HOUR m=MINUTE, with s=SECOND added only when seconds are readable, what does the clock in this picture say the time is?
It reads h=8 m=27
